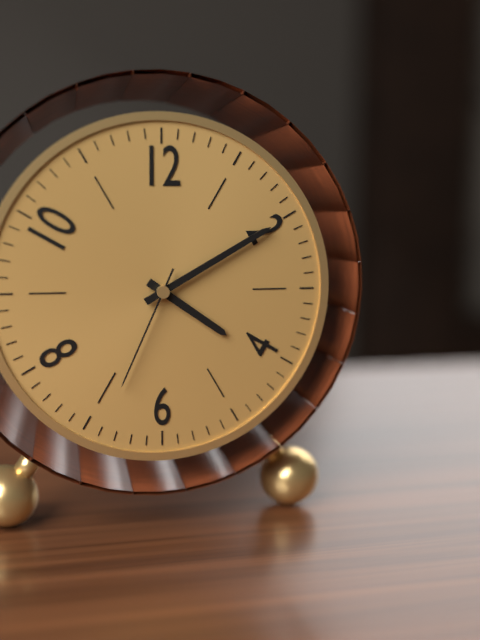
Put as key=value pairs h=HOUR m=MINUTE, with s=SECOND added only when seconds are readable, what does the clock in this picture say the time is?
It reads h=4 m=10 s=34
